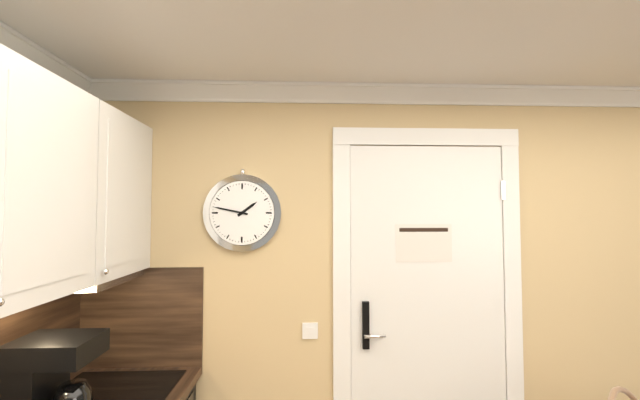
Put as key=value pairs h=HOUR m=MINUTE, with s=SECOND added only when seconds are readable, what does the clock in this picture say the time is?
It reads h=1 m=47
